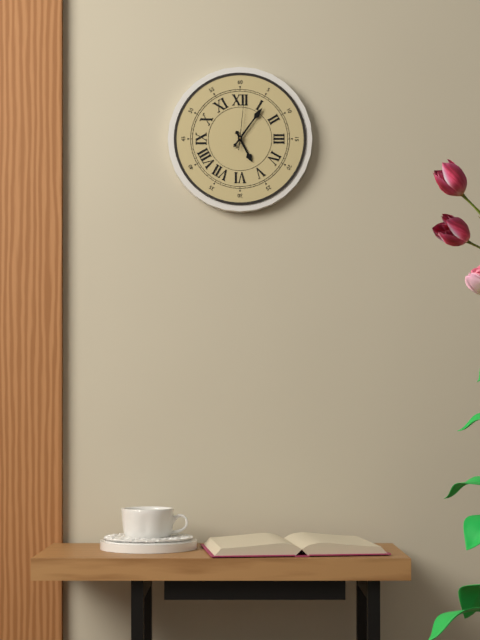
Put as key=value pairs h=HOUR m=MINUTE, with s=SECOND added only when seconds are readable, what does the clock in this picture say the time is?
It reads h=5 m=6 s=1
